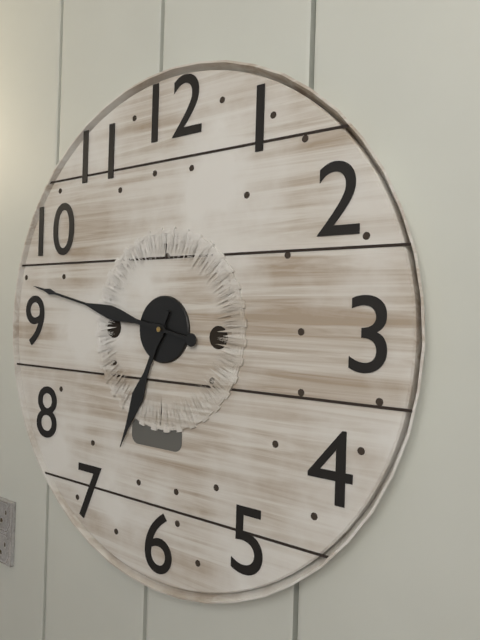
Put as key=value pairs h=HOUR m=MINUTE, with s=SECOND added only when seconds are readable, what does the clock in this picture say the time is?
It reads h=6 m=47
